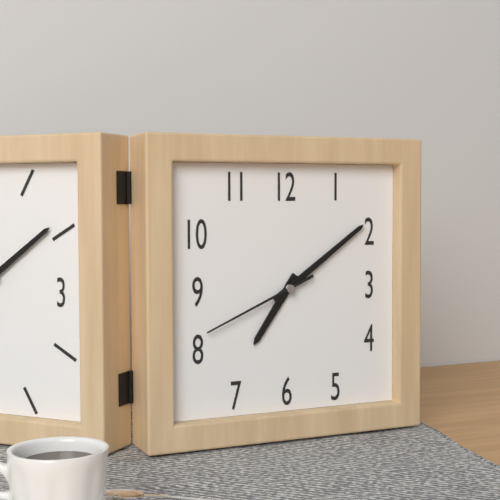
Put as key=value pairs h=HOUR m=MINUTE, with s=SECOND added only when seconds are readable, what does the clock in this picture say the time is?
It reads h=7 m=9 s=41
